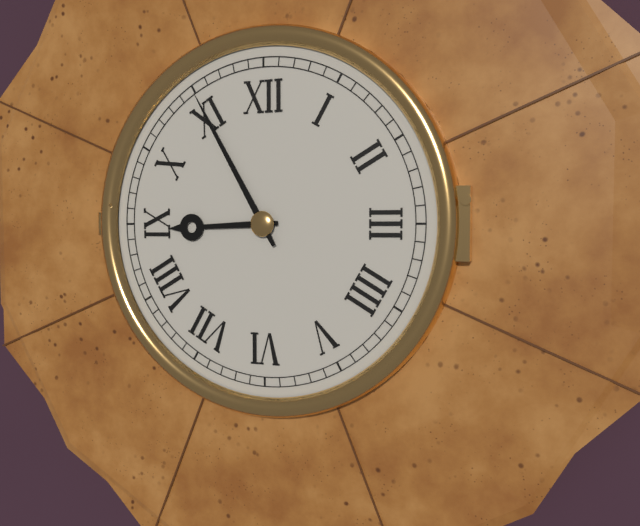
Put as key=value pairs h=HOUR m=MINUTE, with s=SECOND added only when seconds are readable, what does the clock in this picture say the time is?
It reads h=8 m=55
